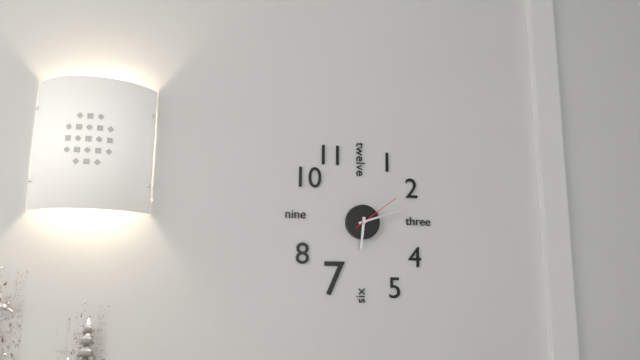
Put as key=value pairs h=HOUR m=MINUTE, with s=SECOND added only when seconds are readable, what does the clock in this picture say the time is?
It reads h=6 m=12 s=9
